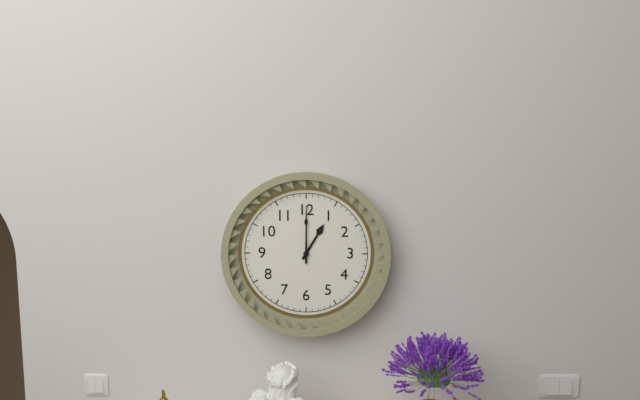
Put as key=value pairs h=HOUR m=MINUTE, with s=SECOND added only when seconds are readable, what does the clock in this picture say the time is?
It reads h=1 m=0
